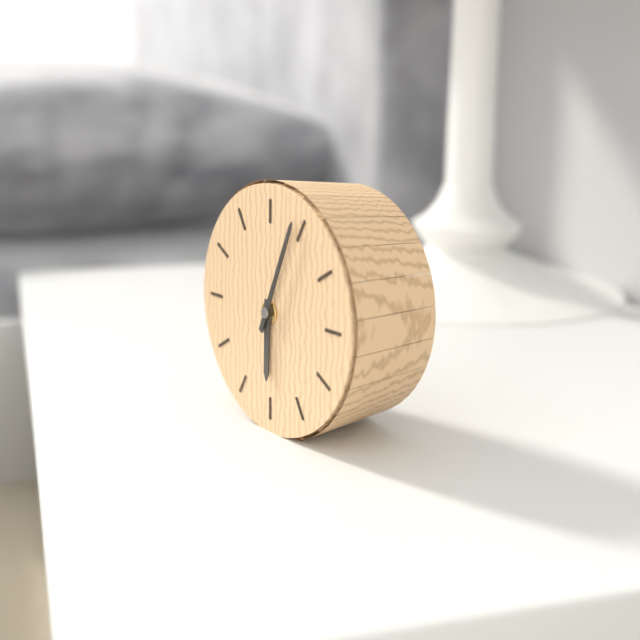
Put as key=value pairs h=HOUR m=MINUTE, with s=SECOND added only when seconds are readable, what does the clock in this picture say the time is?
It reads h=6 m=4
